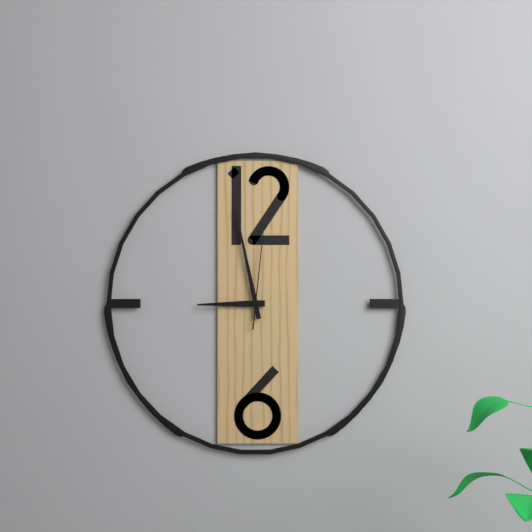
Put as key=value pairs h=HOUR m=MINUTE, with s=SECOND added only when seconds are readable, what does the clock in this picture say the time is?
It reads h=8 m=58 s=1
